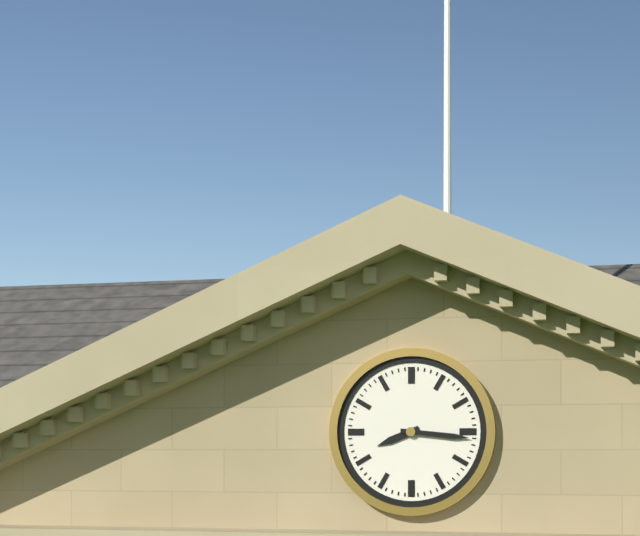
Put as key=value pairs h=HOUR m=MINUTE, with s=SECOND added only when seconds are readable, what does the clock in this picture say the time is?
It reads h=8 m=16
